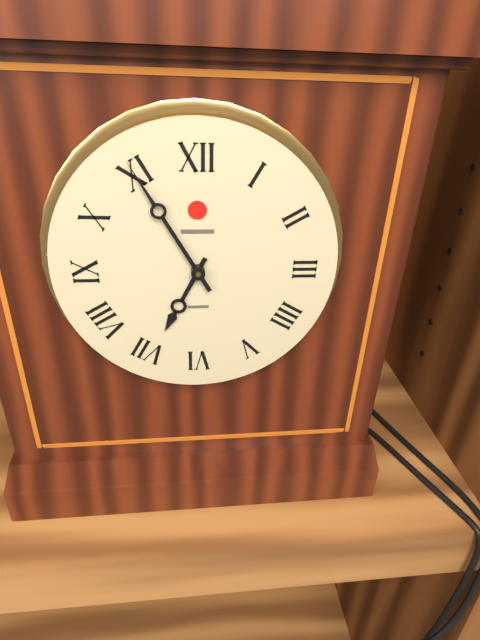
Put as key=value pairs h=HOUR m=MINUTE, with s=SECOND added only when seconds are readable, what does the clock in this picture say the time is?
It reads h=6 m=55
